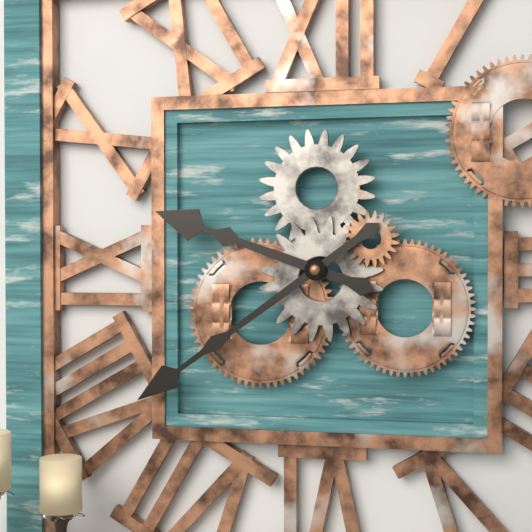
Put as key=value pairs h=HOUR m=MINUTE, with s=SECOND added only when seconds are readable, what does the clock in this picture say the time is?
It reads h=9 m=39
